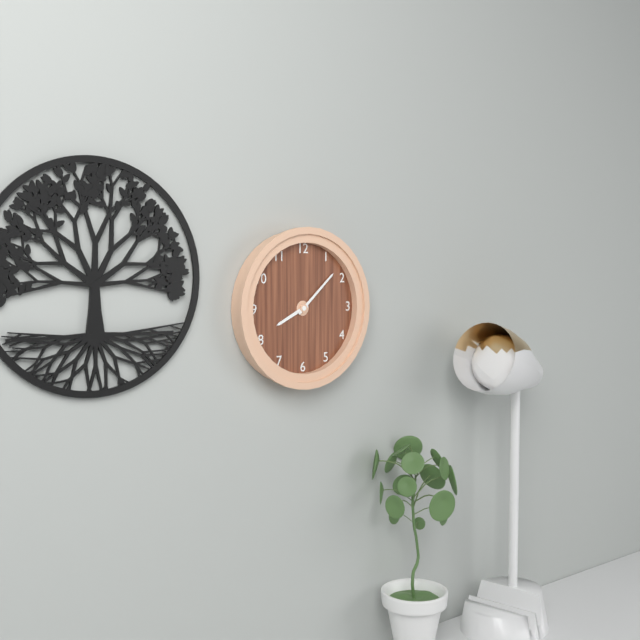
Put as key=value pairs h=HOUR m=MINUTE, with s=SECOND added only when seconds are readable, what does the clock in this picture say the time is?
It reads h=8 m=8
